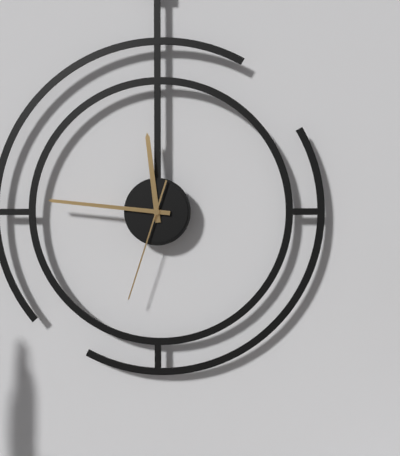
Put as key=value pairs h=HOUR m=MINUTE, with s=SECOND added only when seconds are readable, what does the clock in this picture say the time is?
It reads h=11 m=46 s=33
